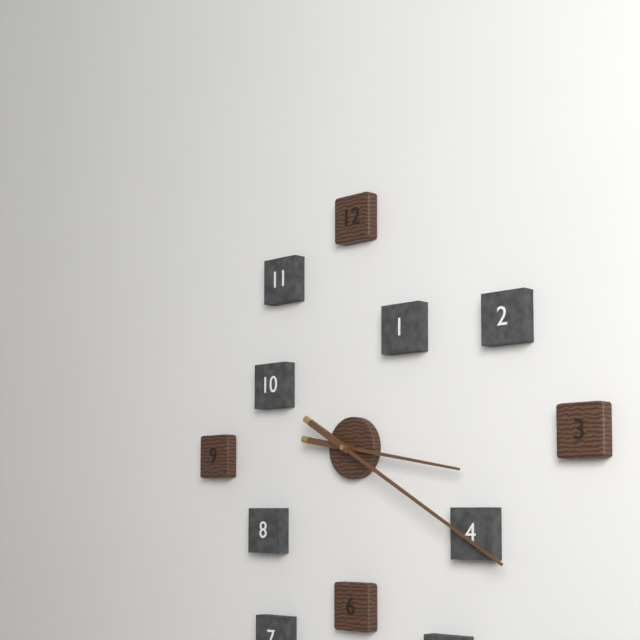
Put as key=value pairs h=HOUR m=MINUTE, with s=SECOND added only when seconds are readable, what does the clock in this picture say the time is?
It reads h=3 m=20
